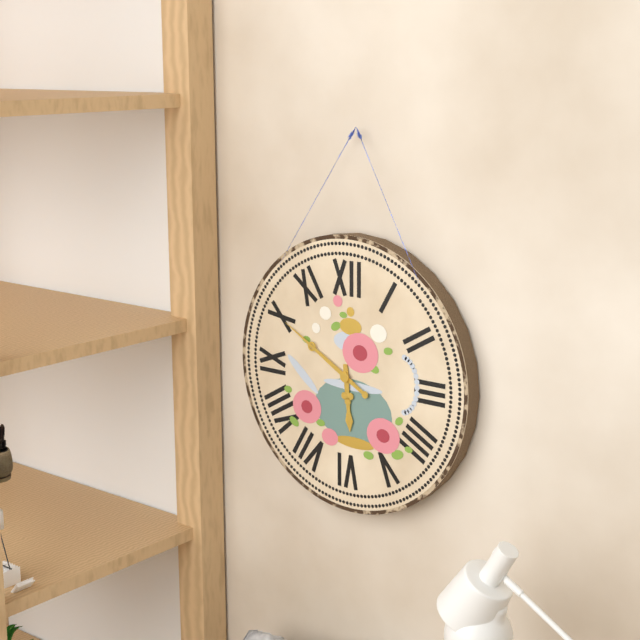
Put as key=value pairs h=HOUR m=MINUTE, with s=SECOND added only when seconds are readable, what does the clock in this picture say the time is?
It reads h=5 m=50
